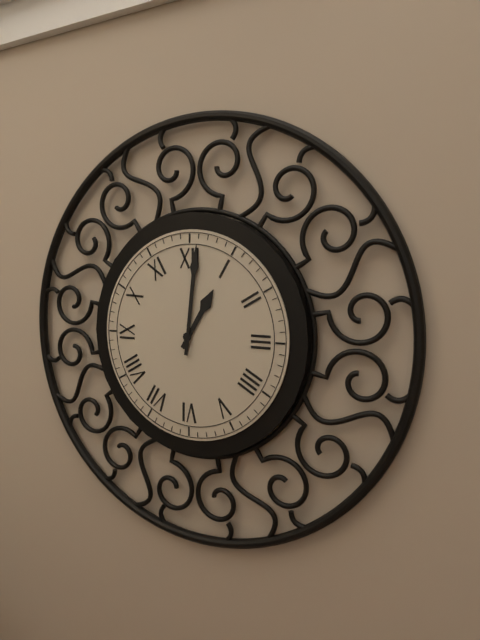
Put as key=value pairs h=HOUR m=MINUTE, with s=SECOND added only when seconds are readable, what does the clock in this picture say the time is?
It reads h=1 m=1
